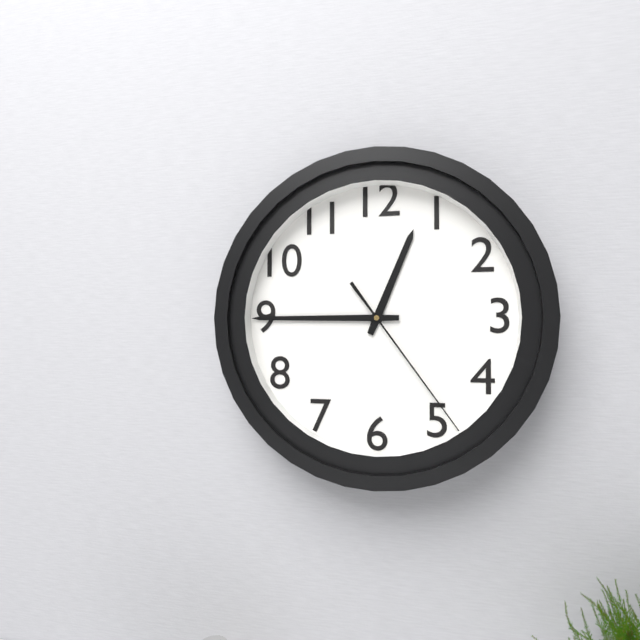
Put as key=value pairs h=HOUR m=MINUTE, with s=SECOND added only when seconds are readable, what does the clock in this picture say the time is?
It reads h=12 m=45 s=24
